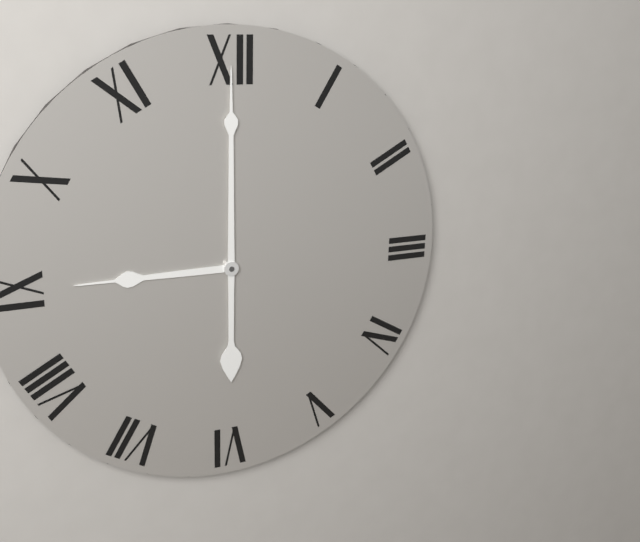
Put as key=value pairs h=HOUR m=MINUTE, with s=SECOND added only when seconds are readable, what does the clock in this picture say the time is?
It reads h=9 m=0
